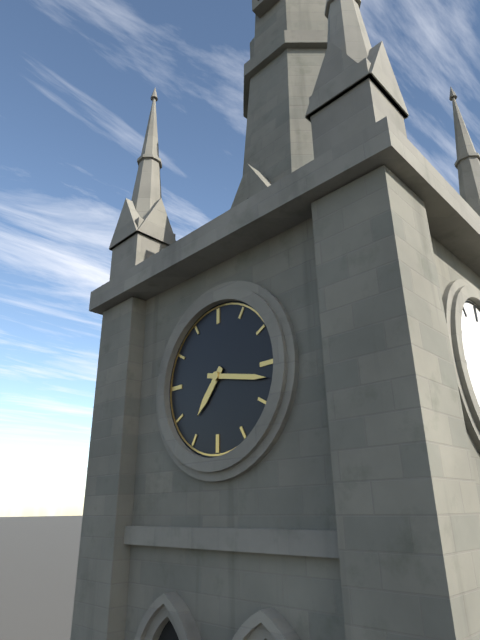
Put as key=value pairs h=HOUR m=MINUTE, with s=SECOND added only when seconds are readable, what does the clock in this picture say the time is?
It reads h=7 m=17
